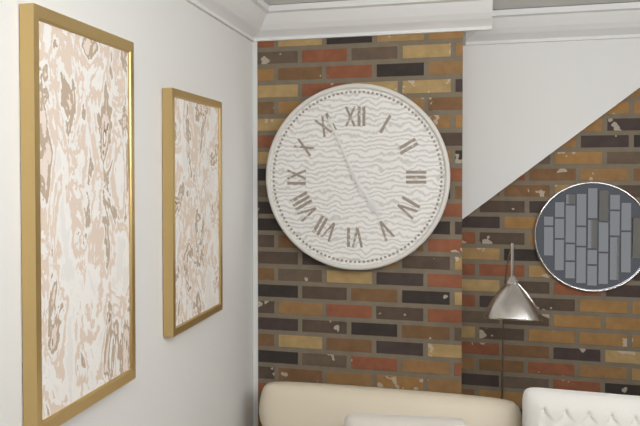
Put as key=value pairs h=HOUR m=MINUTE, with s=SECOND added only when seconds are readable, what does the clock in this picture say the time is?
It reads h=4 m=56
